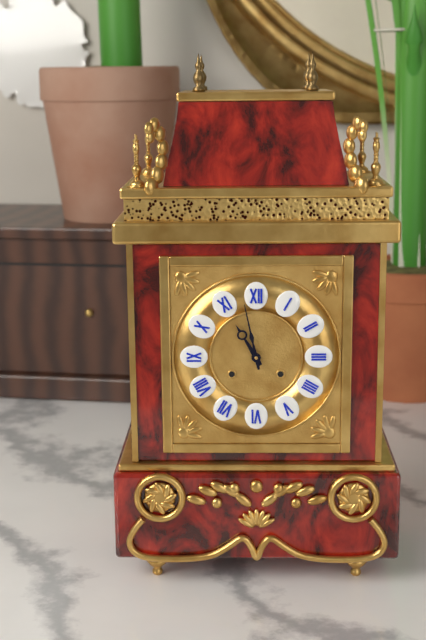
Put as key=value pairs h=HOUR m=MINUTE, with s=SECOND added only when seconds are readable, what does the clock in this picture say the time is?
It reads h=10 m=58
